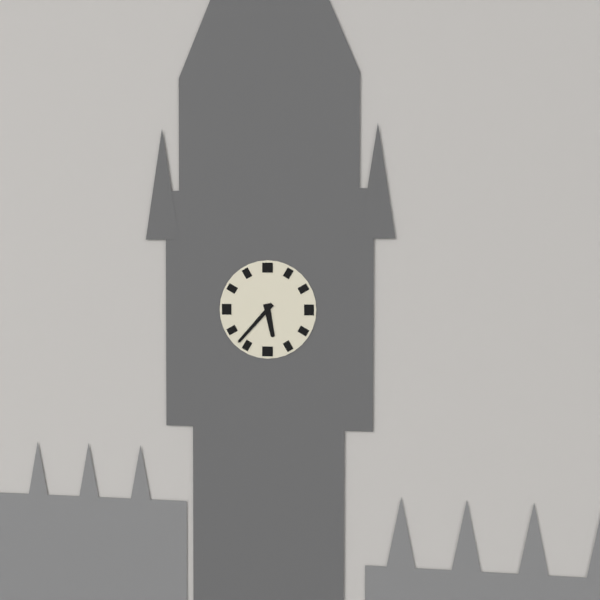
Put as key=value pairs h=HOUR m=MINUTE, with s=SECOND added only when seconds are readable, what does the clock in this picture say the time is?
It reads h=5 m=37
